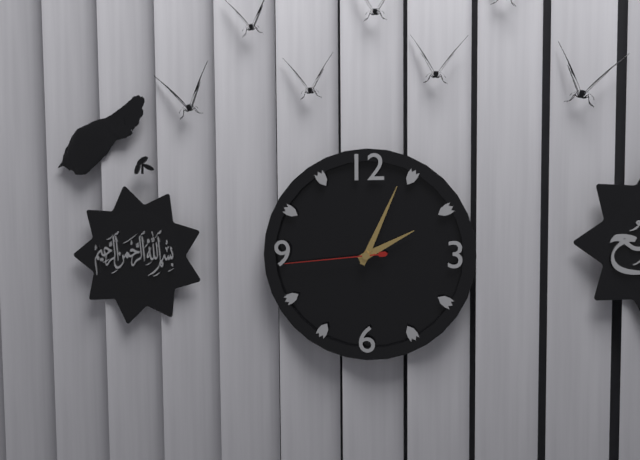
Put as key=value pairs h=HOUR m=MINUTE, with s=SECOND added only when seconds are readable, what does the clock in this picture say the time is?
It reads h=2 m=4 s=44
